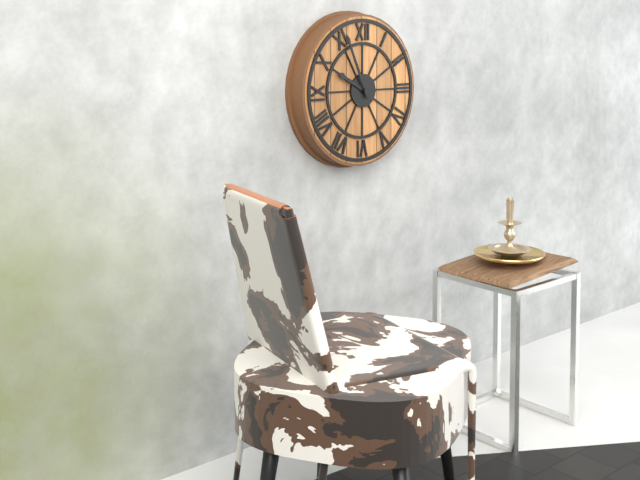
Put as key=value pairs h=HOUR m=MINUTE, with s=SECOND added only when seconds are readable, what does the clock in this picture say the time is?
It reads h=9 m=56
